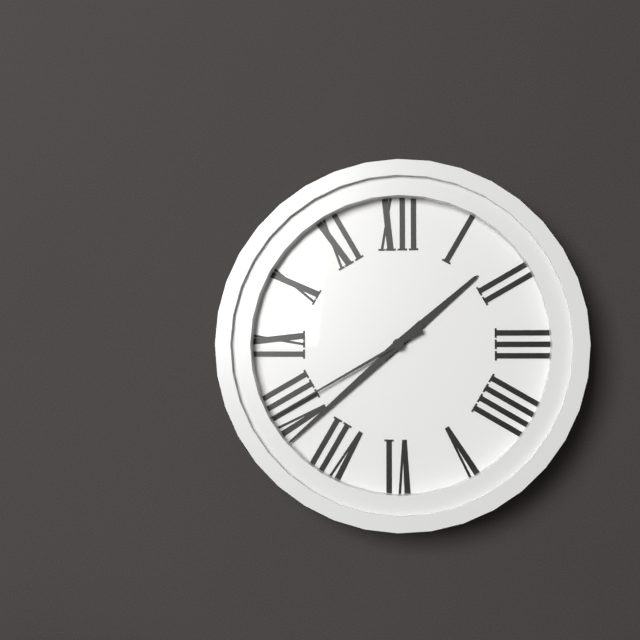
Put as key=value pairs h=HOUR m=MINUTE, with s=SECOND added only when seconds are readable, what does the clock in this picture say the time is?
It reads h=1 m=38 s=40
